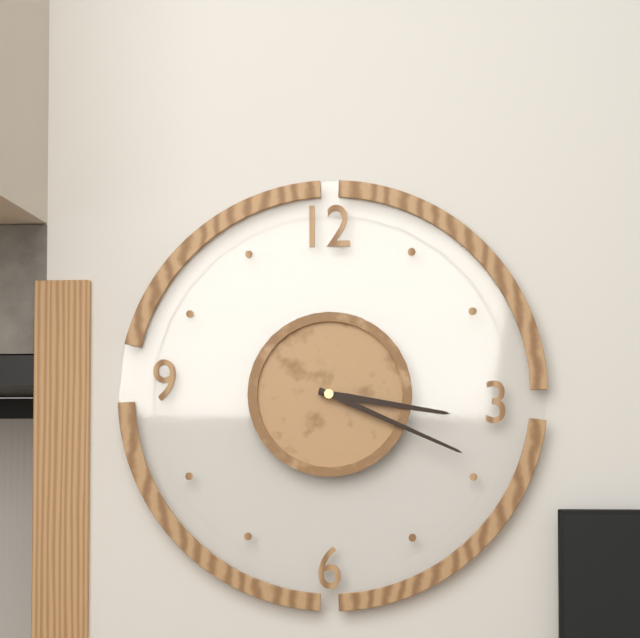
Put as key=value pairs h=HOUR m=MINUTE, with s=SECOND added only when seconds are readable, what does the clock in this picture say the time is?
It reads h=3 m=19
